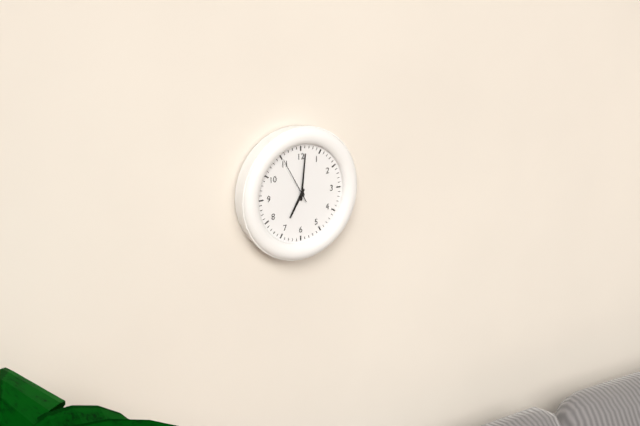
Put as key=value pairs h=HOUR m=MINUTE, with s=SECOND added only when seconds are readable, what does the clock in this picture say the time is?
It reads h=7 m=1
